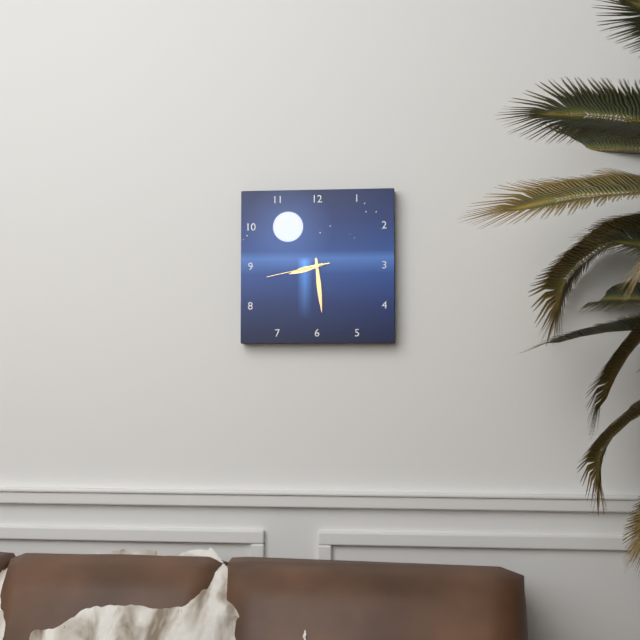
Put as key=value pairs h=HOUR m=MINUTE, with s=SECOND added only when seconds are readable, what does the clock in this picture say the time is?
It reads h=8 m=29 s=43
